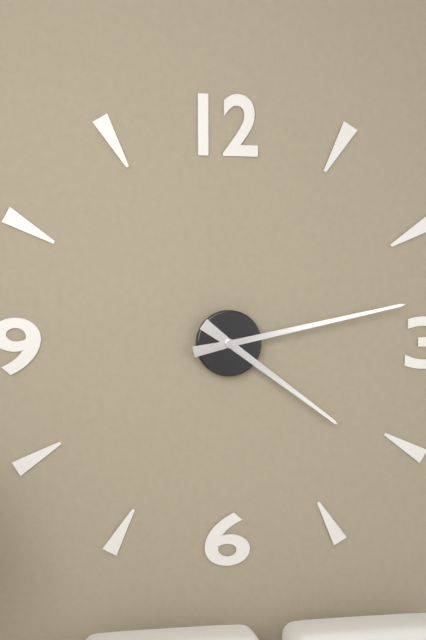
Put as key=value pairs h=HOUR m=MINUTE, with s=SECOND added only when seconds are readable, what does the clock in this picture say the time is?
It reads h=4 m=13
